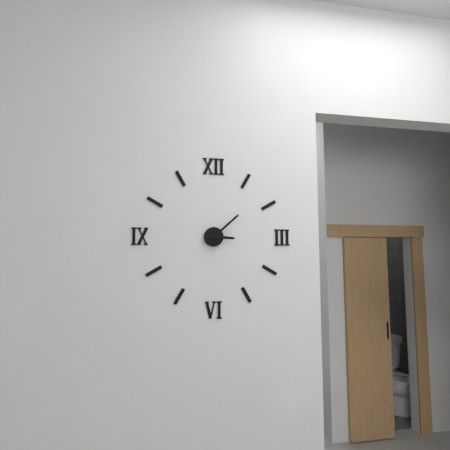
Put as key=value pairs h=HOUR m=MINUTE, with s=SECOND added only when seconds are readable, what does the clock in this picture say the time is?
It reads h=3 m=8
